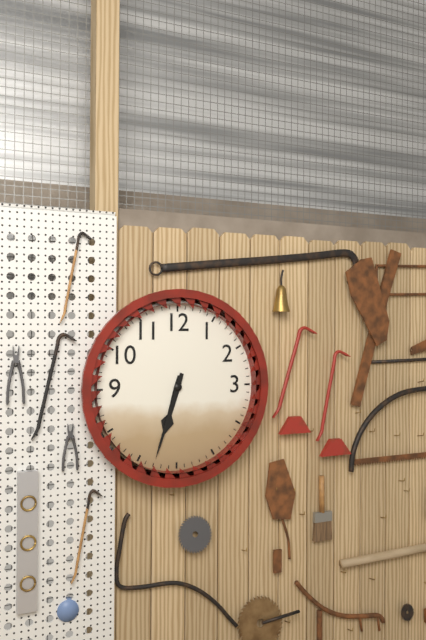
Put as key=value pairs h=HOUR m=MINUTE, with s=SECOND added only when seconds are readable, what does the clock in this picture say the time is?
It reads h=6 m=33
